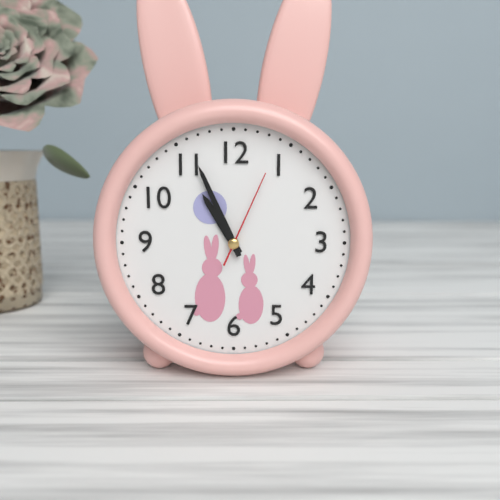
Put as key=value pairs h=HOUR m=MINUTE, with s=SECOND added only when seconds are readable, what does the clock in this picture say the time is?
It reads h=10 m=56 s=4
